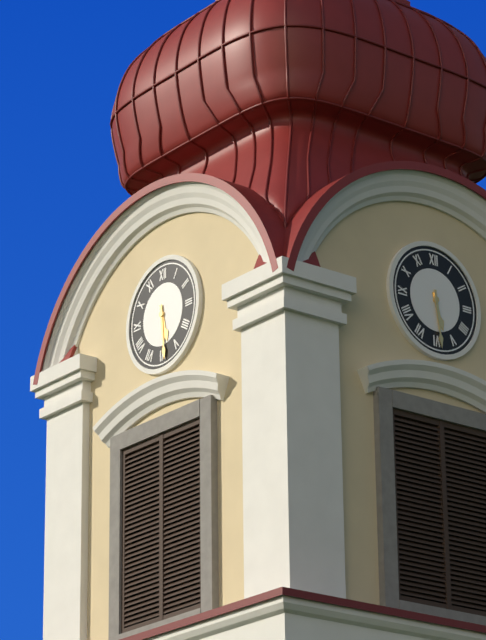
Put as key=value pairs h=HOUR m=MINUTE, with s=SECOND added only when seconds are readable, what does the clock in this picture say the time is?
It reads h=5 m=29
